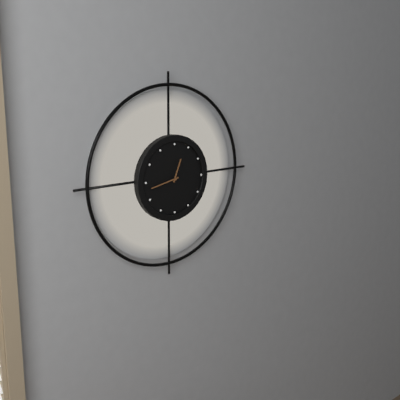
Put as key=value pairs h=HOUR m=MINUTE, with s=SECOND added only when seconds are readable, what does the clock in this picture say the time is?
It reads h=12 m=43
